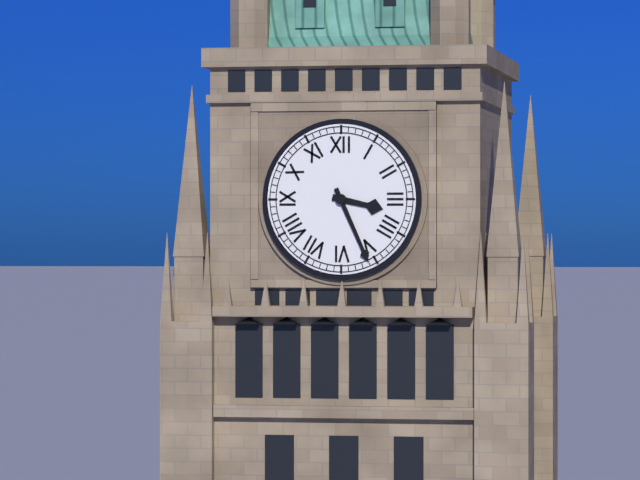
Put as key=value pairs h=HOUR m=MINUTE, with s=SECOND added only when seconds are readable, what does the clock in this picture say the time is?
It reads h=3 m=26
